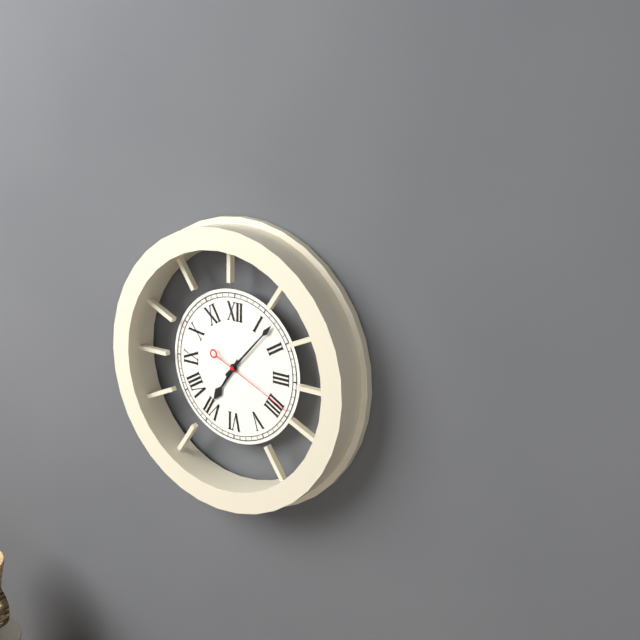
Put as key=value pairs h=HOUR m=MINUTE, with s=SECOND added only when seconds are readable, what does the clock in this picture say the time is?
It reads h=7 m=7 s=19
